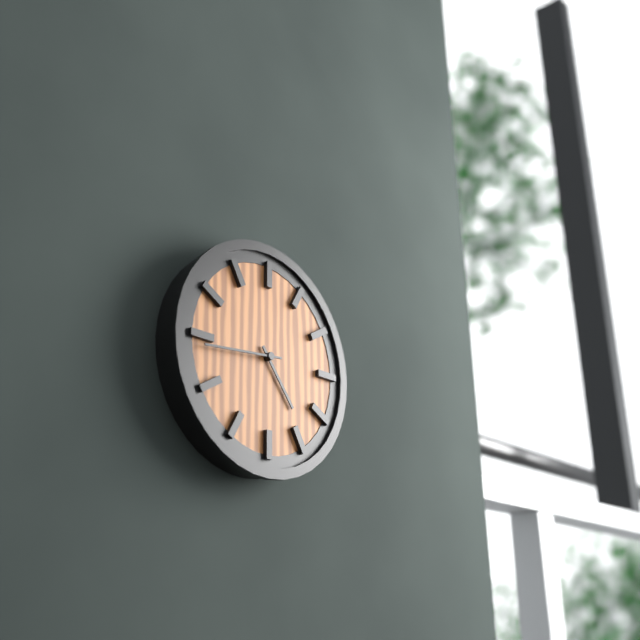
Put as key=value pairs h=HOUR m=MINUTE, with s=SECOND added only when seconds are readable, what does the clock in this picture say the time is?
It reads h=4 m=44
